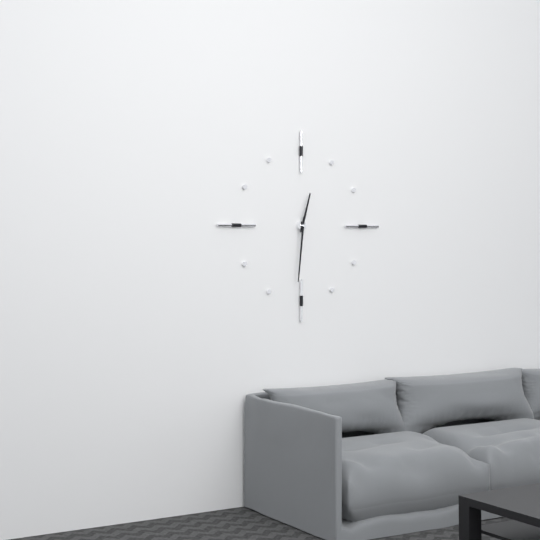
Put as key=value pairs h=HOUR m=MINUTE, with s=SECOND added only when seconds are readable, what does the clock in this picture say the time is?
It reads h=12 m=31
